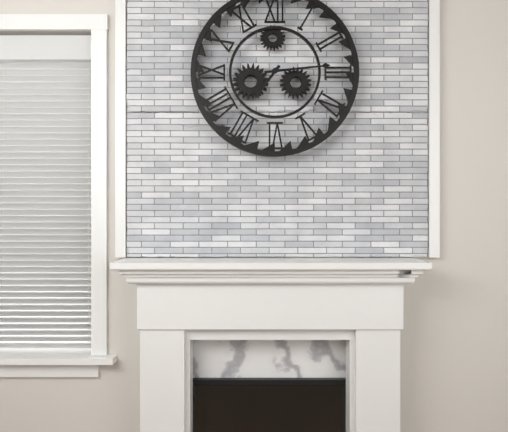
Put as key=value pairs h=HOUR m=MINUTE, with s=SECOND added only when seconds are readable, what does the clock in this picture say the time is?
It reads h=7 m=14
